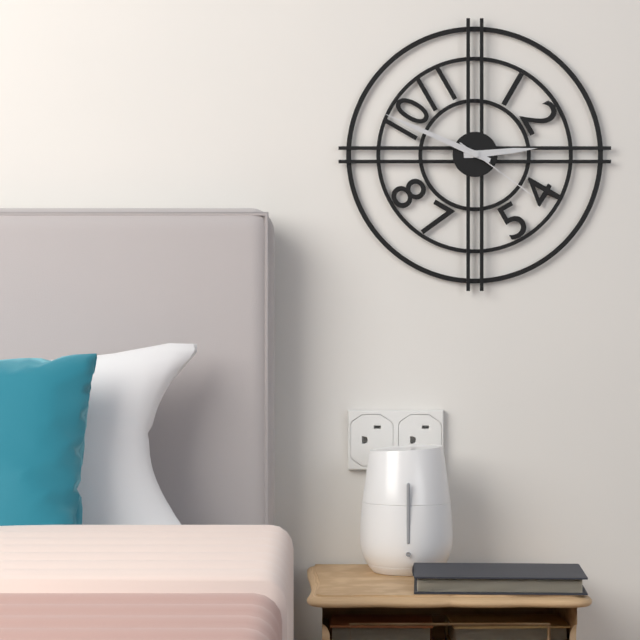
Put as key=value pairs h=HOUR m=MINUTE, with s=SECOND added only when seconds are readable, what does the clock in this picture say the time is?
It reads h=2 m=49 s=21
